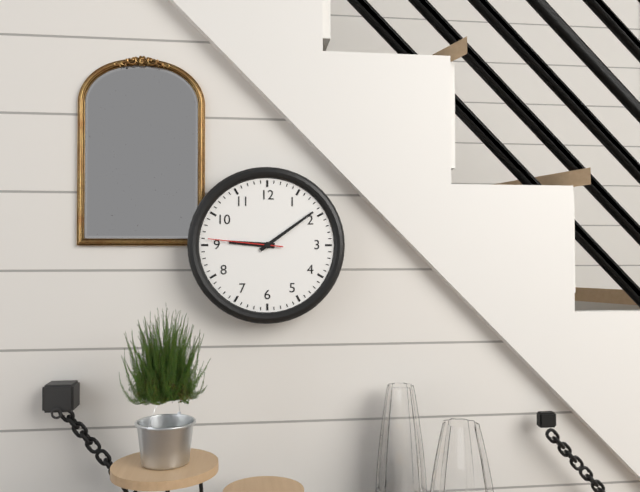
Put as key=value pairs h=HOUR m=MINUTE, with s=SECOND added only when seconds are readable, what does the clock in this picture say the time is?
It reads h=9 m=9 s=46
